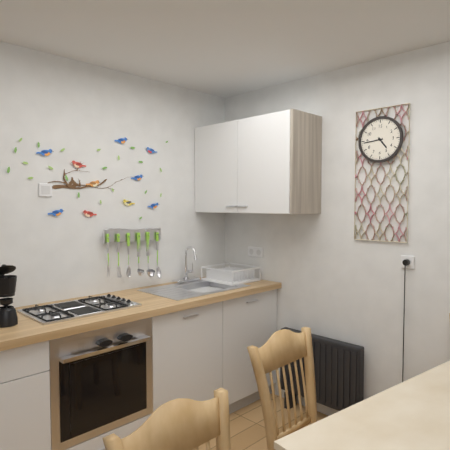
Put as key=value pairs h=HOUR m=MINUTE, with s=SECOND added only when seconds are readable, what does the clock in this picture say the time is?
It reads h=4 m=44
